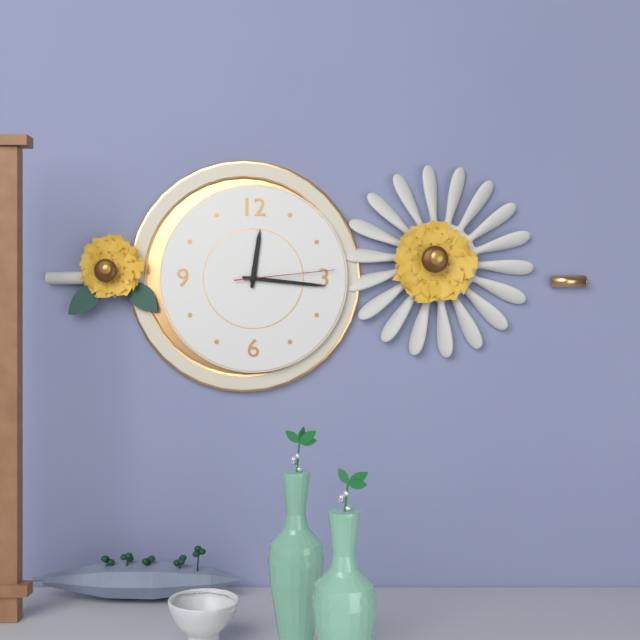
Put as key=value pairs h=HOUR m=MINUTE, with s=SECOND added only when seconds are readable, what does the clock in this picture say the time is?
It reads h=12 m=16 s=14
